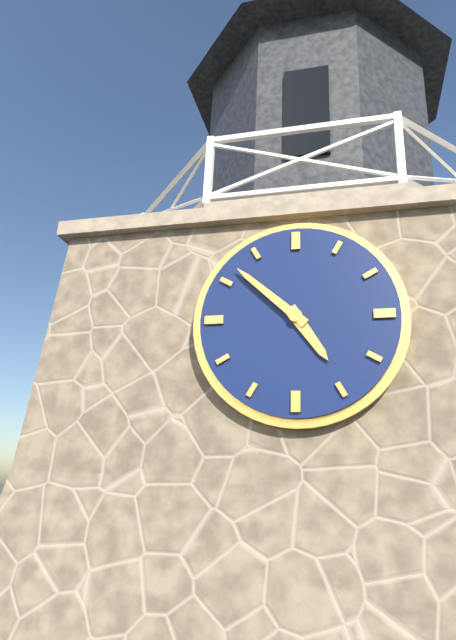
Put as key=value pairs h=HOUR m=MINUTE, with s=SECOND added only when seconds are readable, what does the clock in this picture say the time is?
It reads h=4 m=52
